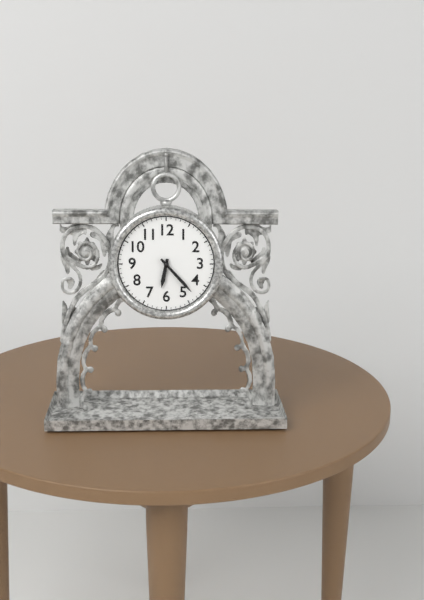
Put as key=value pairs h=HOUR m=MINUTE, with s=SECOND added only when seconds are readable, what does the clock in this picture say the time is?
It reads h=6 m=23
